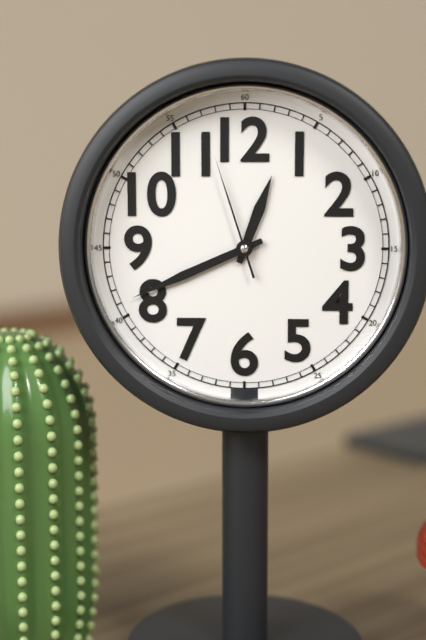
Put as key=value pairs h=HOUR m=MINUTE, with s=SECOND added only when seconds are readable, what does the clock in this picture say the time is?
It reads h=12 m=41 s=57
